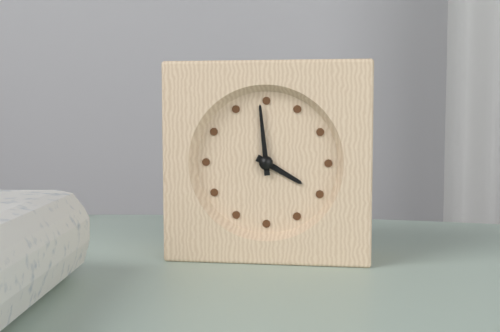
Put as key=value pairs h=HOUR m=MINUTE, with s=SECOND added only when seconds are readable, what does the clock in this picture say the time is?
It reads h=3 m=59
